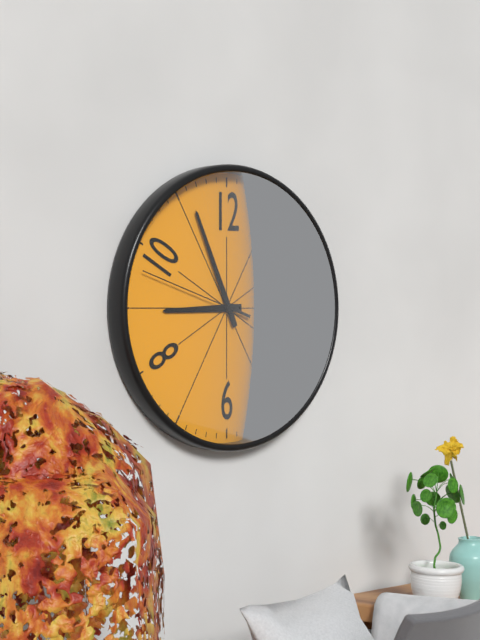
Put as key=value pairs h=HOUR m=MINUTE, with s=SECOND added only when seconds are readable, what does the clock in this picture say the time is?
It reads h=8 m=56 s=48
